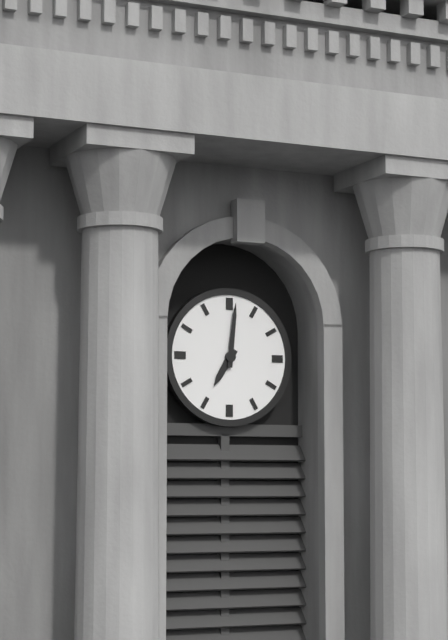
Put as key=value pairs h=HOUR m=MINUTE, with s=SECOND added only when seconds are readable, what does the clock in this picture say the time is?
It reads h=7 m=1
